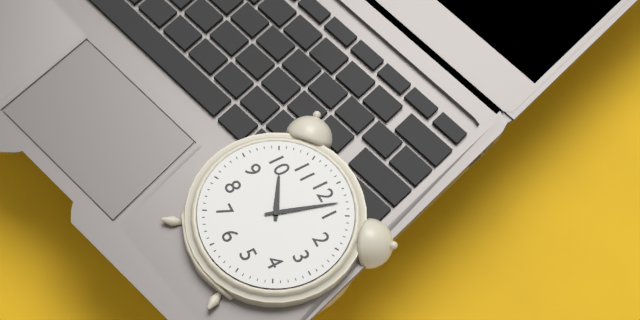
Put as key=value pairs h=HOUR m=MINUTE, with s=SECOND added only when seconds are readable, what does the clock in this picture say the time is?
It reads h=10 m=3
